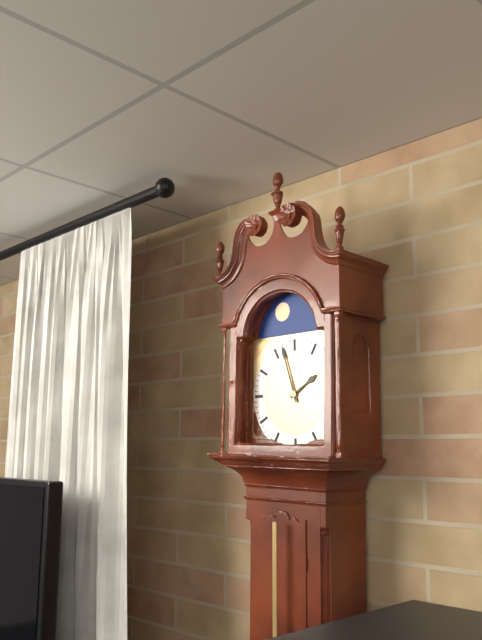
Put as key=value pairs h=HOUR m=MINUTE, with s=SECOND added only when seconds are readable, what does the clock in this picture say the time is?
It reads h=1 m=57
